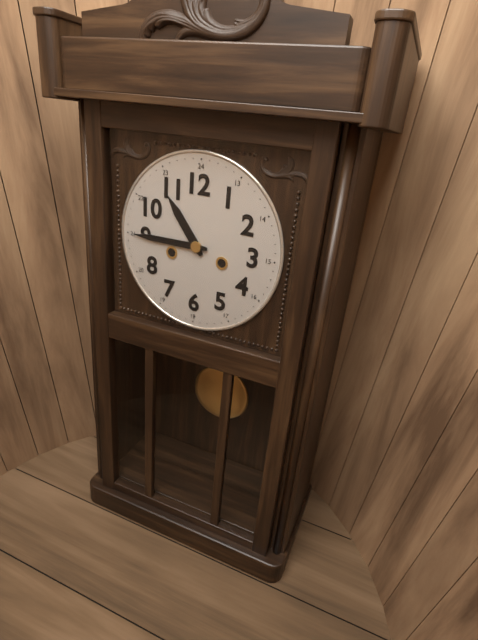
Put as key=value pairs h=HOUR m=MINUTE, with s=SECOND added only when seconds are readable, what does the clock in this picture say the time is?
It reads h=10 m=45
